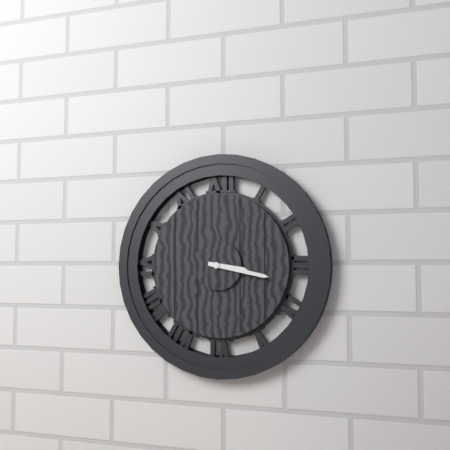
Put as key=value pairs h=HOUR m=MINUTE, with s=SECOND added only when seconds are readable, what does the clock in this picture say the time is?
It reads h=3 m=17
